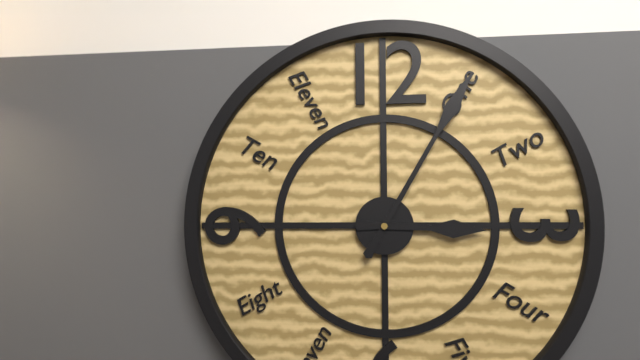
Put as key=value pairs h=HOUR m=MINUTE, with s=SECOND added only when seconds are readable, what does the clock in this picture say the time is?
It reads h=3 m=5
